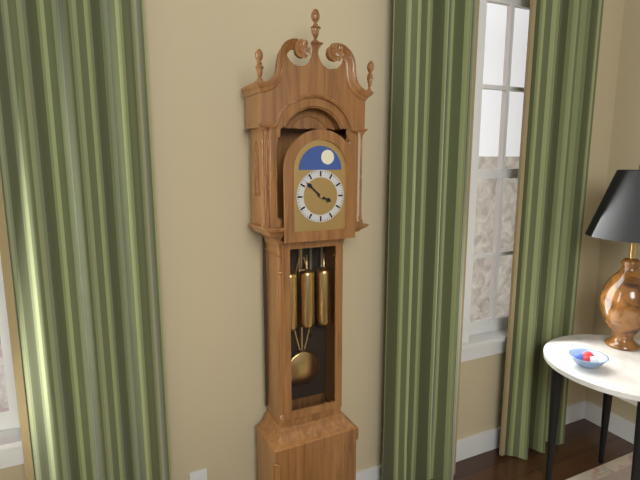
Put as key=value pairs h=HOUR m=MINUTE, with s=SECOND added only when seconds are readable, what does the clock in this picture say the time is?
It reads h=3 m=52
